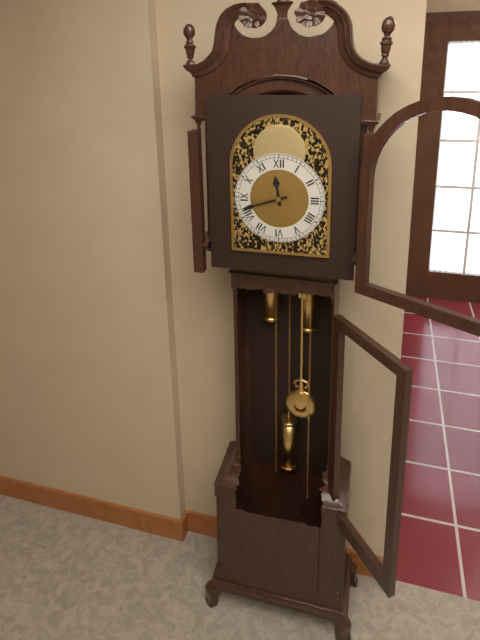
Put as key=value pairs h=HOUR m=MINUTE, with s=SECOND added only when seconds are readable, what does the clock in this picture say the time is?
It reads h=11 m=42
